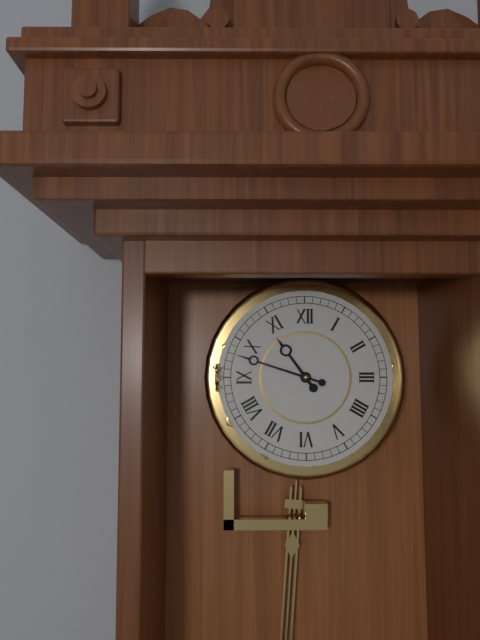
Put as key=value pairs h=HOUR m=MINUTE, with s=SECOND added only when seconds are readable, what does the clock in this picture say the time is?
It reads h=10 m=48
